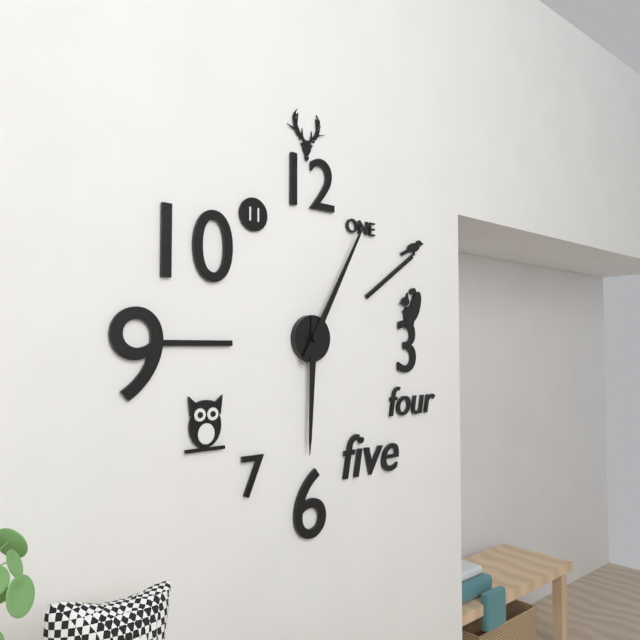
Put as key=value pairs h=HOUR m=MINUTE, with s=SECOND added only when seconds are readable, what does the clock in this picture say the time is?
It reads h=6 m=5
